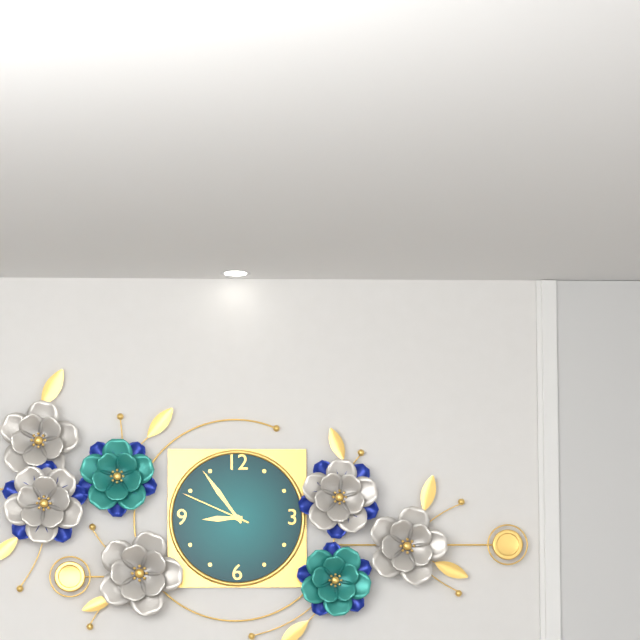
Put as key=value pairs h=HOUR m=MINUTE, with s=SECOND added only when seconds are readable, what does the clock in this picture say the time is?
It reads h=8 m=54 s=49
